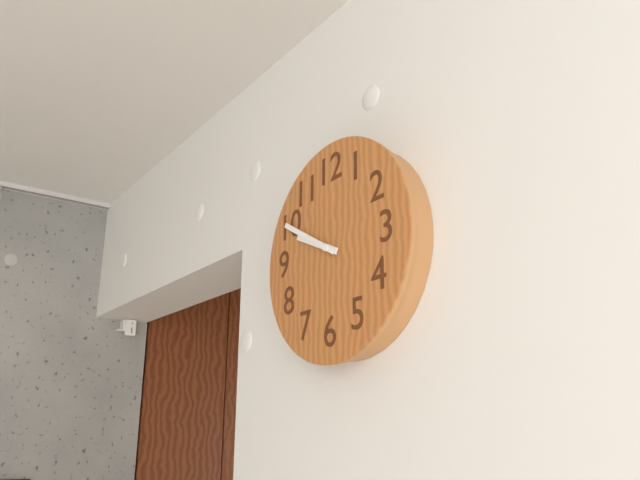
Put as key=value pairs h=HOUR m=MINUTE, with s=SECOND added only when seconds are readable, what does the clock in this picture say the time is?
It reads h=9 m=50
